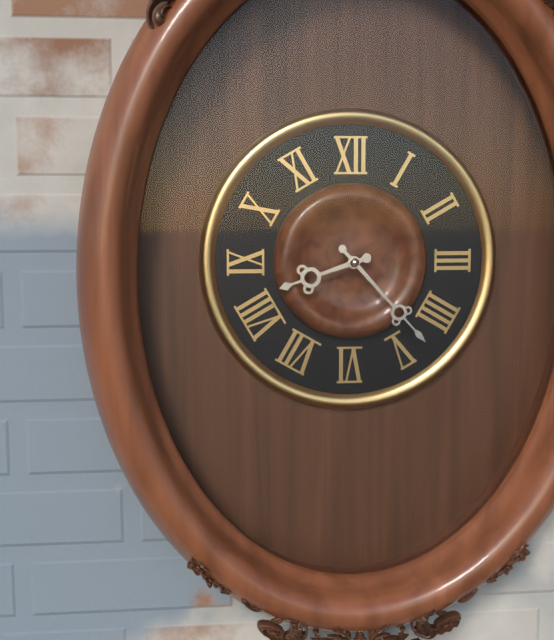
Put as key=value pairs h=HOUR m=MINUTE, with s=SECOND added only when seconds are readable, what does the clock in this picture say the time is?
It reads h=8 m=23
